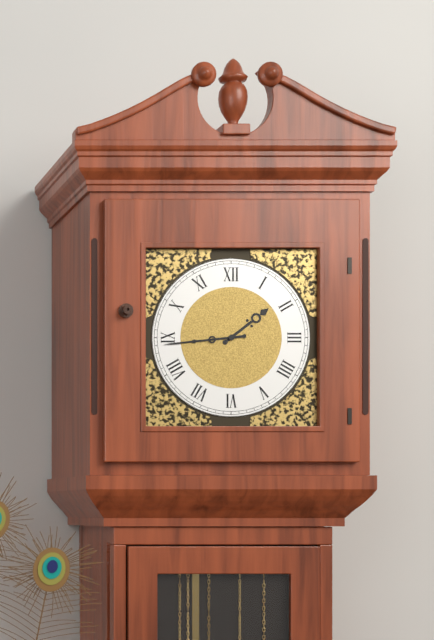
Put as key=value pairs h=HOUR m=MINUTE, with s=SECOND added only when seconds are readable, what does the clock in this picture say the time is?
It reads h=1 m=44
